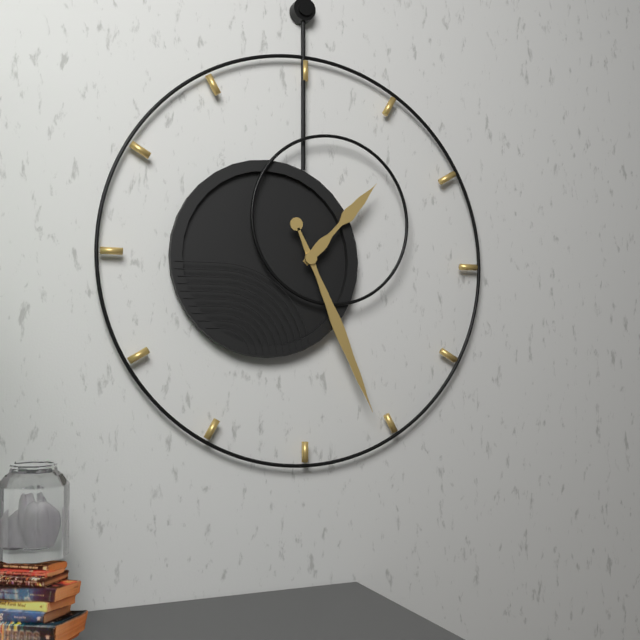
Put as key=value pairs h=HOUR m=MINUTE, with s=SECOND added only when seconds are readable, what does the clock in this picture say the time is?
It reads h=1 m=26
